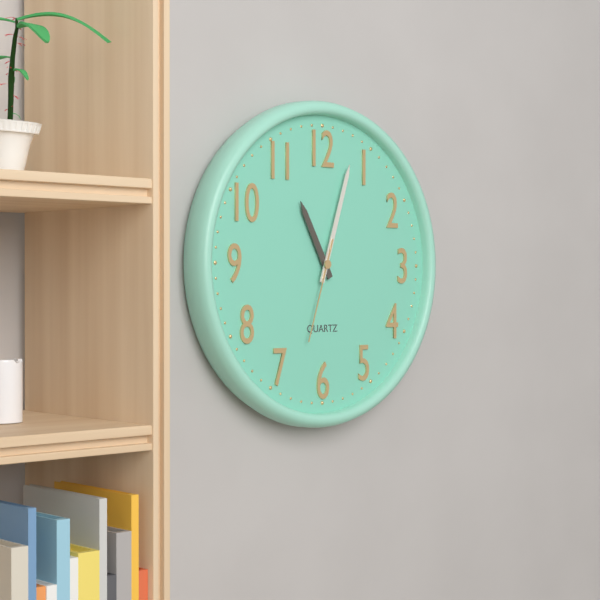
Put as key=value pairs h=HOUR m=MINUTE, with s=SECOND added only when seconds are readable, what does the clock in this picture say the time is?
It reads h=11 m=3 s=33
